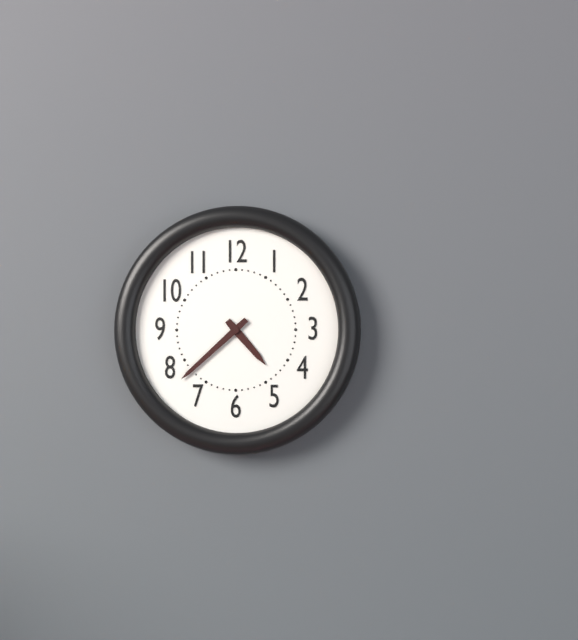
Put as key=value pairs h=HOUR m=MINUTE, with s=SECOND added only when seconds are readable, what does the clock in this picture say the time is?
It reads h=4 m=38
